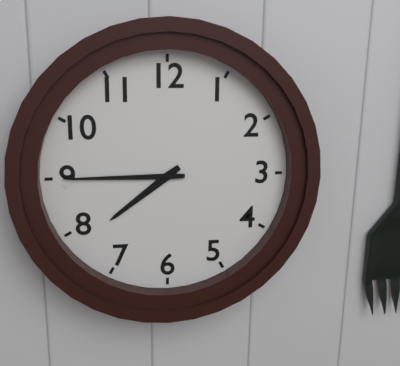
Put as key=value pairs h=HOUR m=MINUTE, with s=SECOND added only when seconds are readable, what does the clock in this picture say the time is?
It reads h=7 m=45
